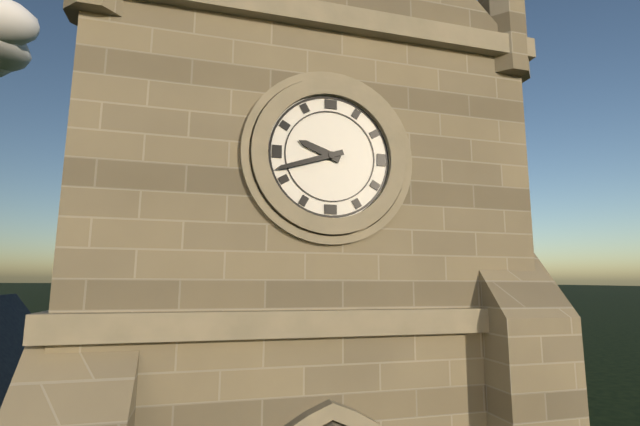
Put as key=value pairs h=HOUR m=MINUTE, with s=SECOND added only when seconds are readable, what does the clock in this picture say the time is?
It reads h=9 m=42
